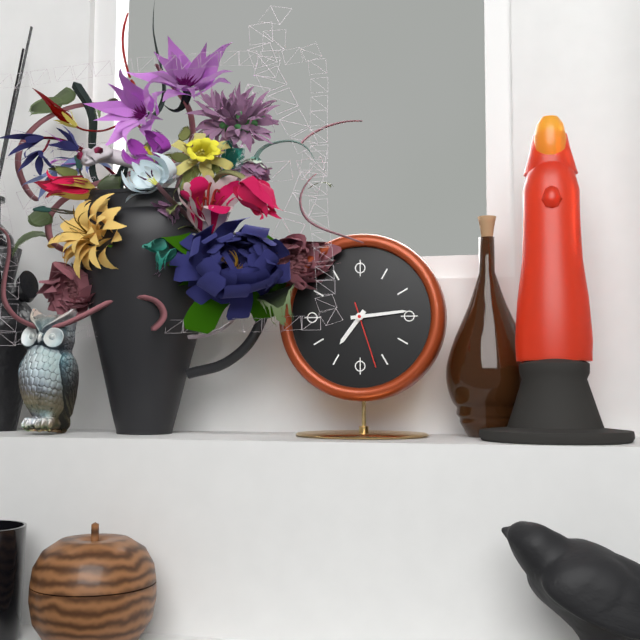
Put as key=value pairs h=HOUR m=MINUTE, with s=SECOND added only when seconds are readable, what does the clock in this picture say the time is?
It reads h=7 m=14 s=27
